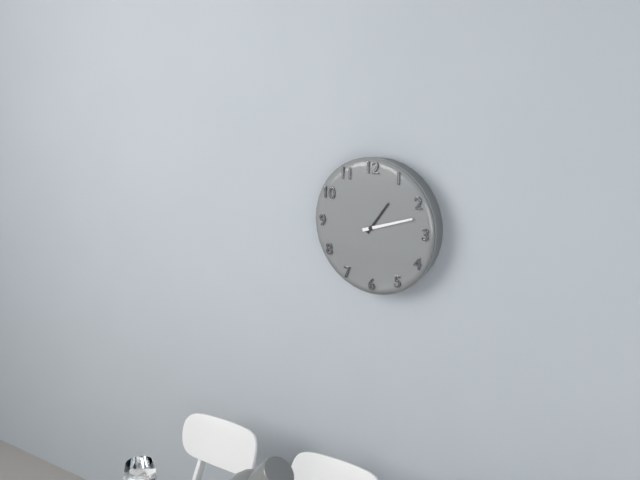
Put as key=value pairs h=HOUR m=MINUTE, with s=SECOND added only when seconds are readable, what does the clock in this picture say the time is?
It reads h=1 m=12
